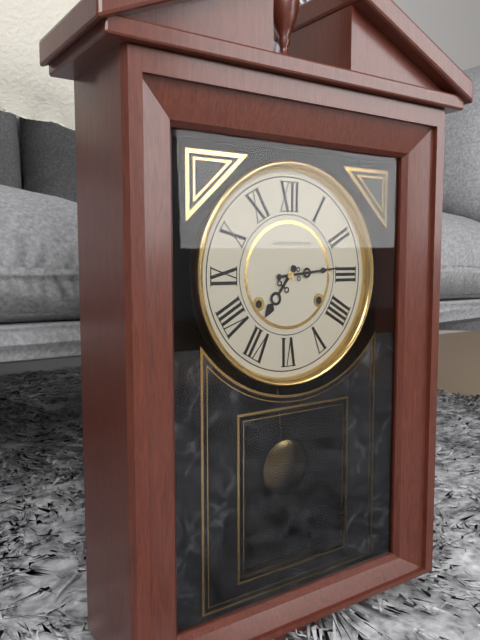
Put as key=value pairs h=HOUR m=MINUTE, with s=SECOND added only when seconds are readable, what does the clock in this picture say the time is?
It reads h=7 m=14
